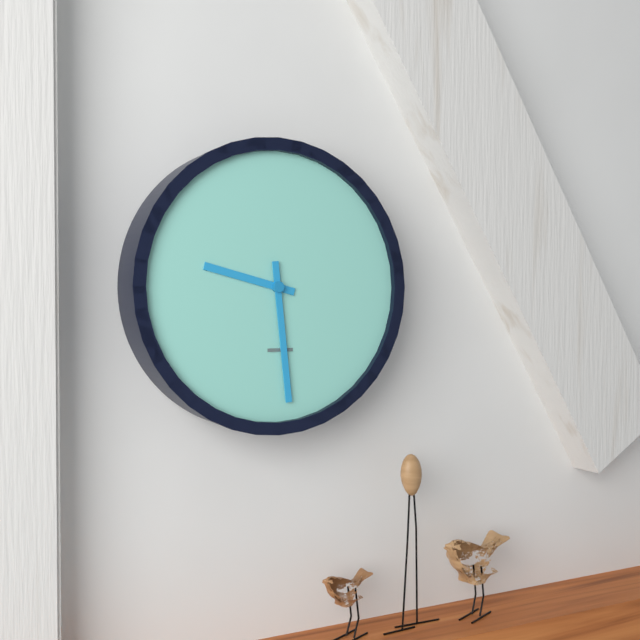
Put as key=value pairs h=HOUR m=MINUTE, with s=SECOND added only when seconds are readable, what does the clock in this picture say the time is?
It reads h=9 m=29
